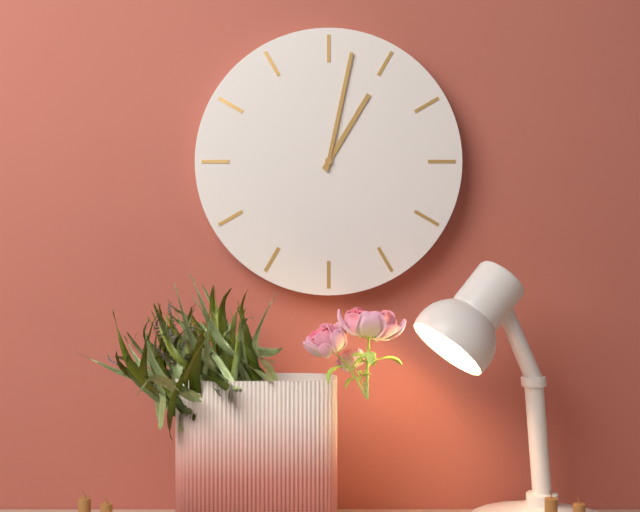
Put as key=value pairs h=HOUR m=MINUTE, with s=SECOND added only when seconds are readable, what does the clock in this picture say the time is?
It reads h=1 m=2
